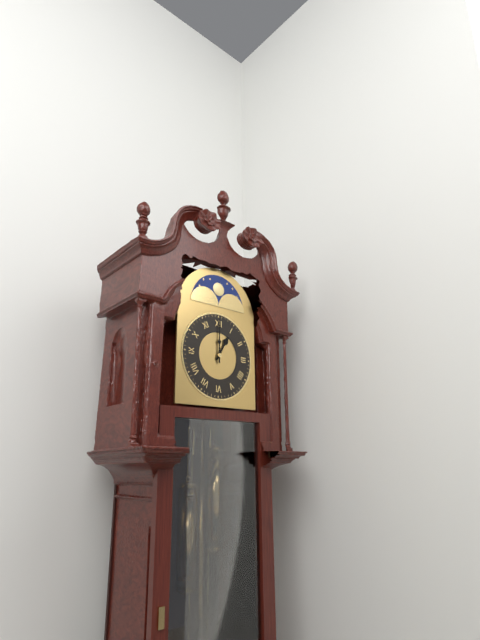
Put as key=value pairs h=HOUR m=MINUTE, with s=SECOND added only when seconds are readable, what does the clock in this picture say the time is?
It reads h=1 m=0
